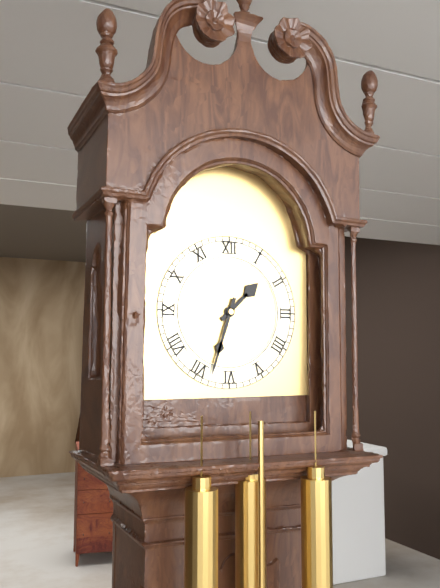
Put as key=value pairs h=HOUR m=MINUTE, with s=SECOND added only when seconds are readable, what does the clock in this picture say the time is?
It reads h=1 m=33
